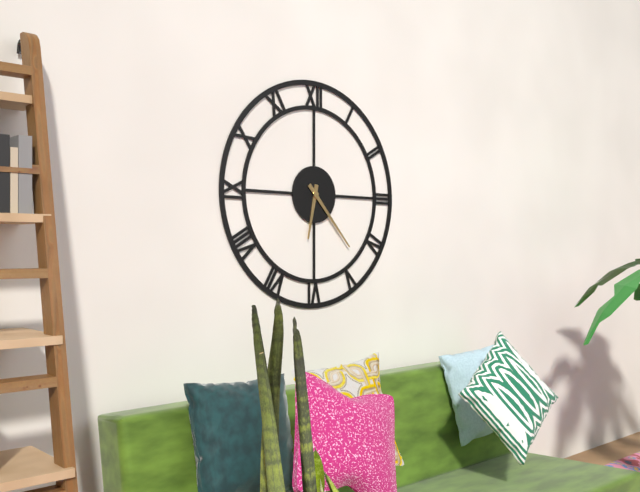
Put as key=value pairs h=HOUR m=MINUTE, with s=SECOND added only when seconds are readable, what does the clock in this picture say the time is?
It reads h=6 m=23
